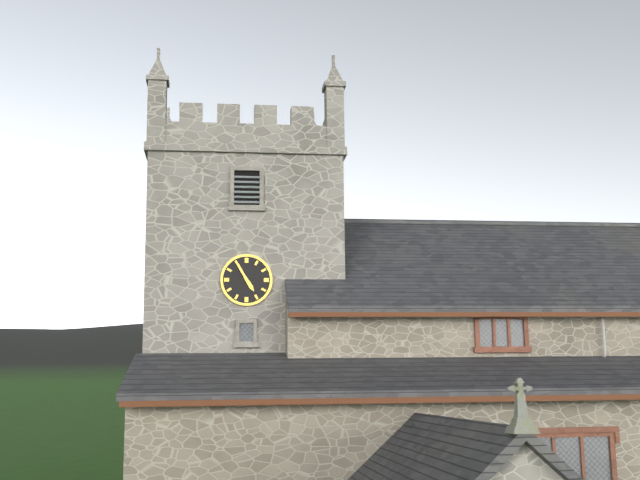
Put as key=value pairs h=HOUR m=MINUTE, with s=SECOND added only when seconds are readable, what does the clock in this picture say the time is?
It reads h=4 m=55
